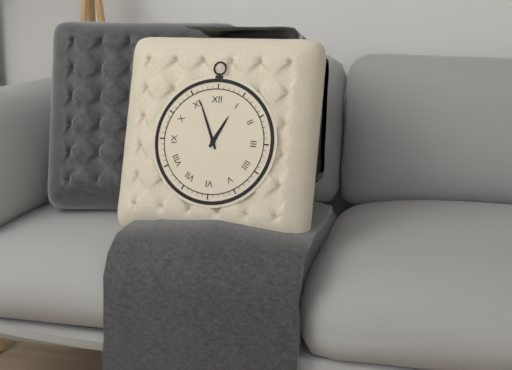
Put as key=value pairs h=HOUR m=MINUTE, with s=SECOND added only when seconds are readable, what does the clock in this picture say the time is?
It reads h=12 m=56
